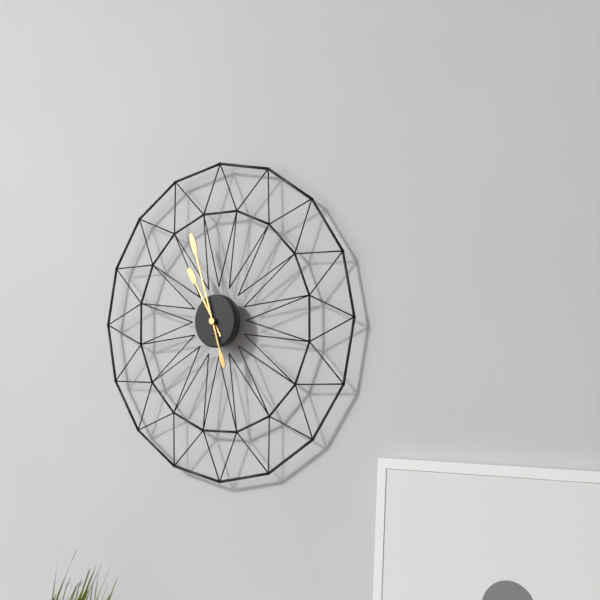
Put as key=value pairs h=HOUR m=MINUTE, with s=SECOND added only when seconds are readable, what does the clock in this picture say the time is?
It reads h=10 m=57
